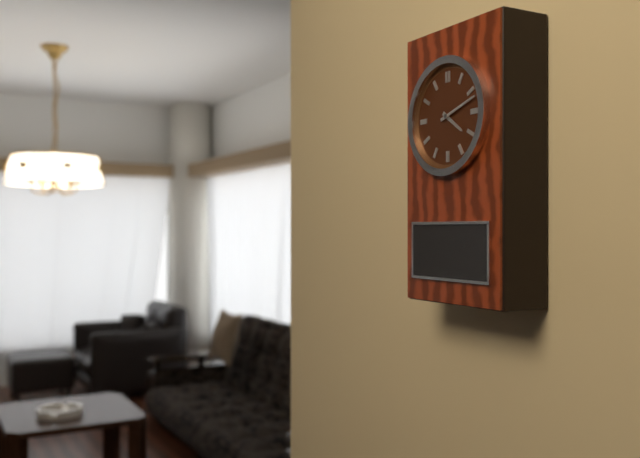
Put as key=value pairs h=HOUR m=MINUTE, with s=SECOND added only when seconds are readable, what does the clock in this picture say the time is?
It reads h=4 m=12
